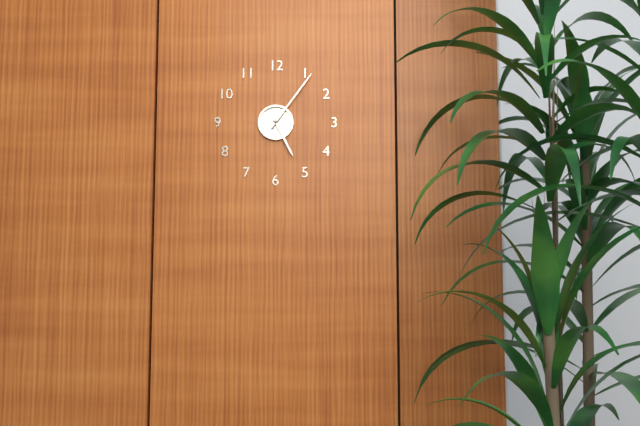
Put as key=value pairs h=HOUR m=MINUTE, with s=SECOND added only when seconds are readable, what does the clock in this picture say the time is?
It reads h=5 m=6
